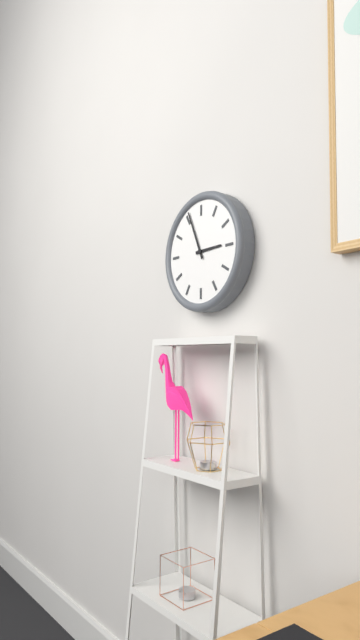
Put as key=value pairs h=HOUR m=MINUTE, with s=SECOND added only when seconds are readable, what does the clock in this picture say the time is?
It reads h=2 m=56
